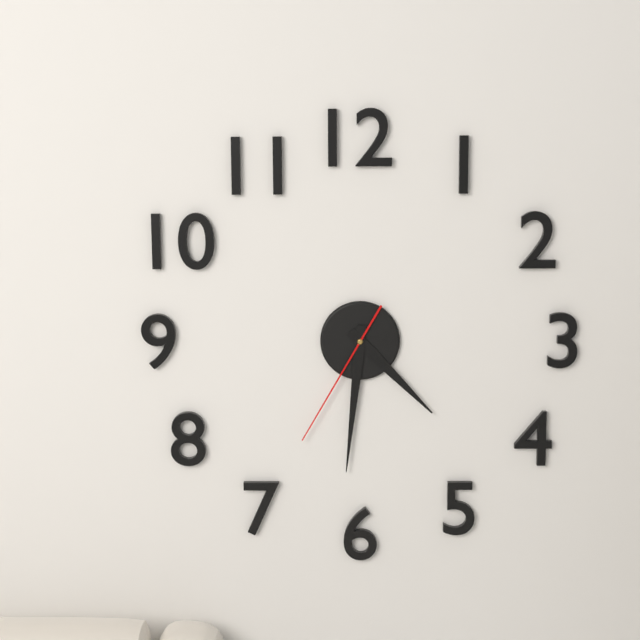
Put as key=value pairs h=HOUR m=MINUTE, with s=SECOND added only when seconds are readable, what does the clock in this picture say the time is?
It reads h=4 m=31 s=35
